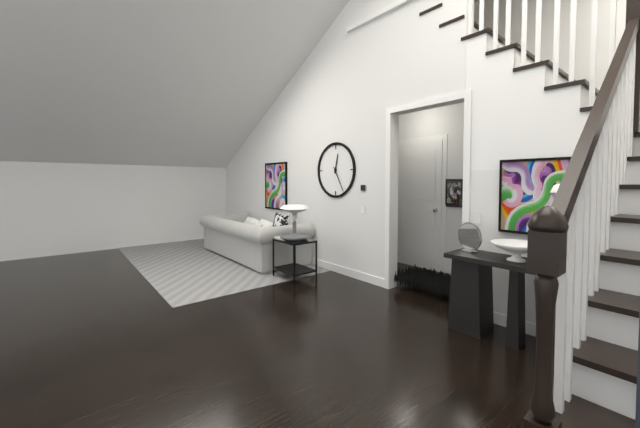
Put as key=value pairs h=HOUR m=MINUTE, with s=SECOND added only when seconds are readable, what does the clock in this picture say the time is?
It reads h=12 m=25
